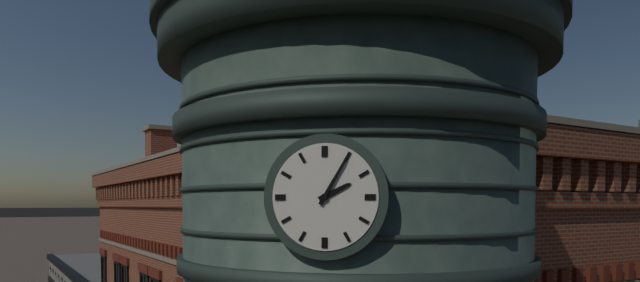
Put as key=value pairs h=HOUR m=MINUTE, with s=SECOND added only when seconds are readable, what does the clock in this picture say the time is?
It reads h=2 m=5
